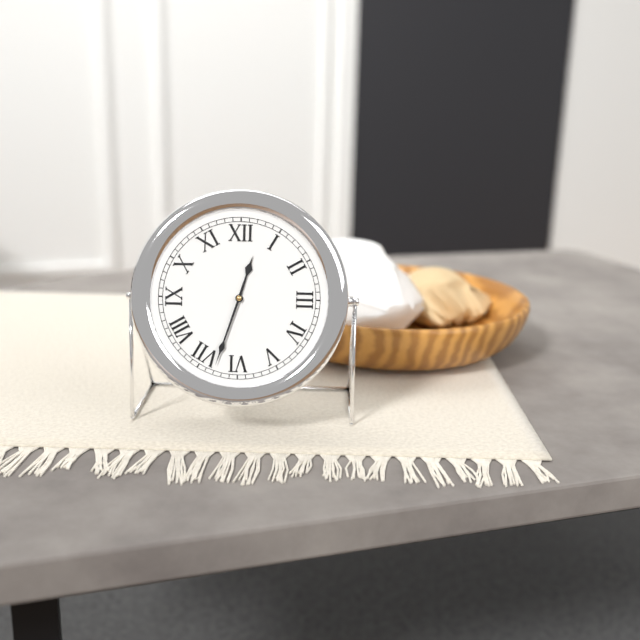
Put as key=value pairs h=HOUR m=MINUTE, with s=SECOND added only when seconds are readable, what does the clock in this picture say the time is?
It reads h=12 m=33
